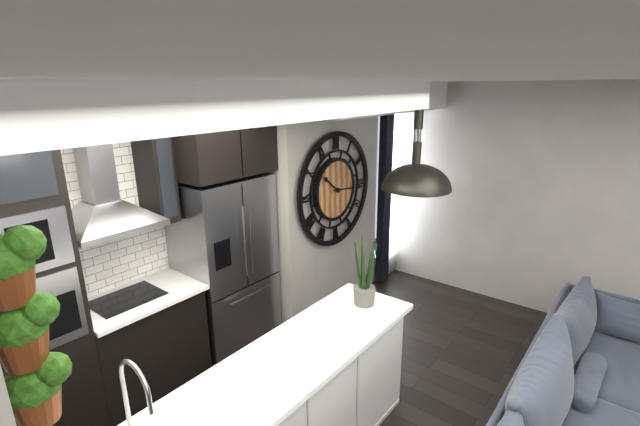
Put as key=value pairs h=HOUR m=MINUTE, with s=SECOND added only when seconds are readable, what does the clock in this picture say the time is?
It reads h=10 m=16
